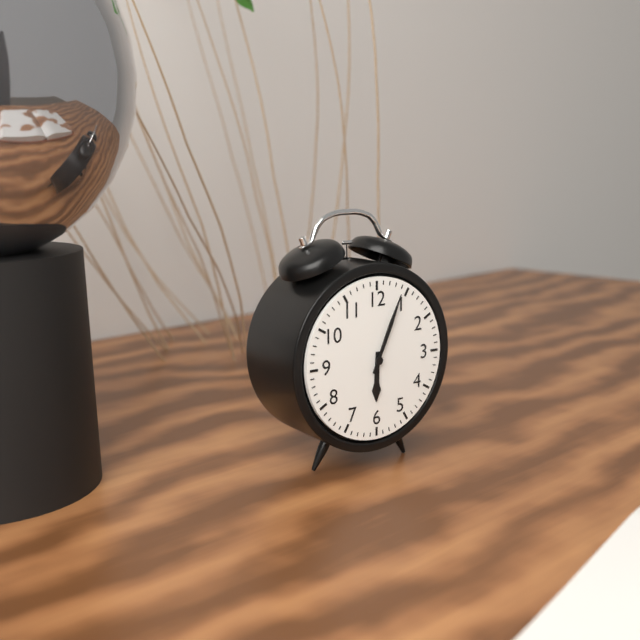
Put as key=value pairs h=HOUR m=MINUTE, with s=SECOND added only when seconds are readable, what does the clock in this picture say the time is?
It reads h=6 m=4
